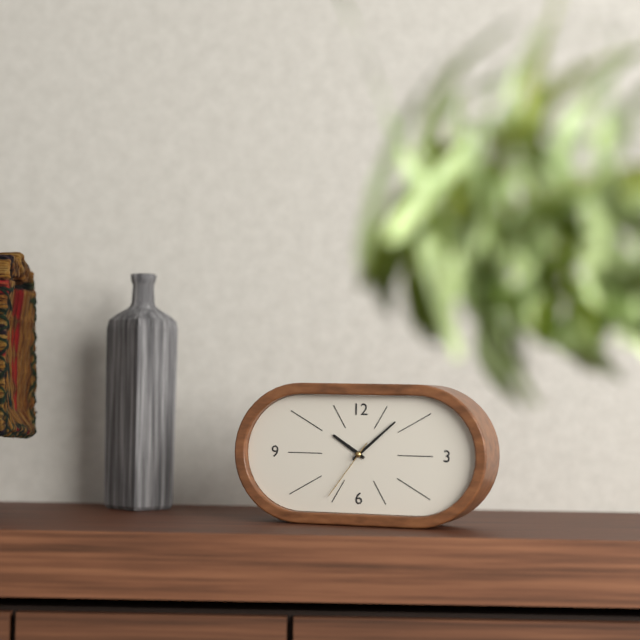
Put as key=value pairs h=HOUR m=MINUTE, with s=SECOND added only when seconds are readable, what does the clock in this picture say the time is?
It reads h=10 m=8 s=36
